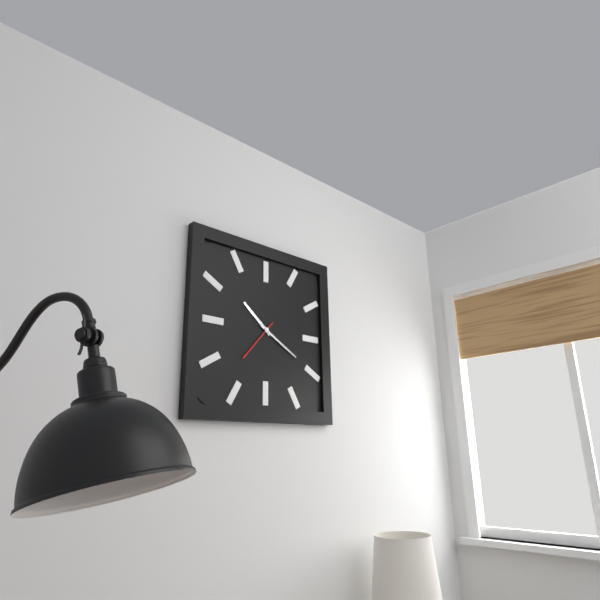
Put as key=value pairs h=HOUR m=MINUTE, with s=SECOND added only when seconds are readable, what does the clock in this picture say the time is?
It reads h=10 m=20
